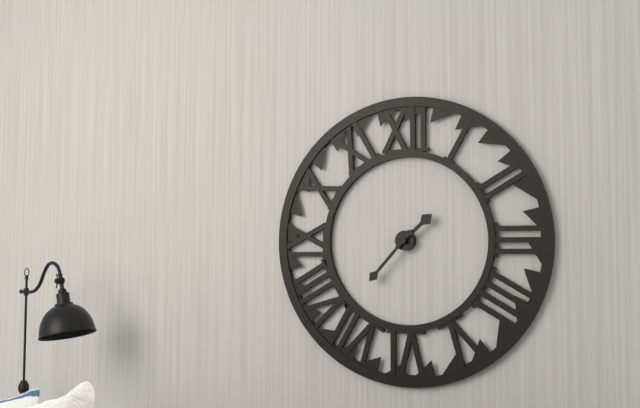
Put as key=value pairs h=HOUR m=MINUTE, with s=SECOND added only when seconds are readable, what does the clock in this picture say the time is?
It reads h=1 m=37
